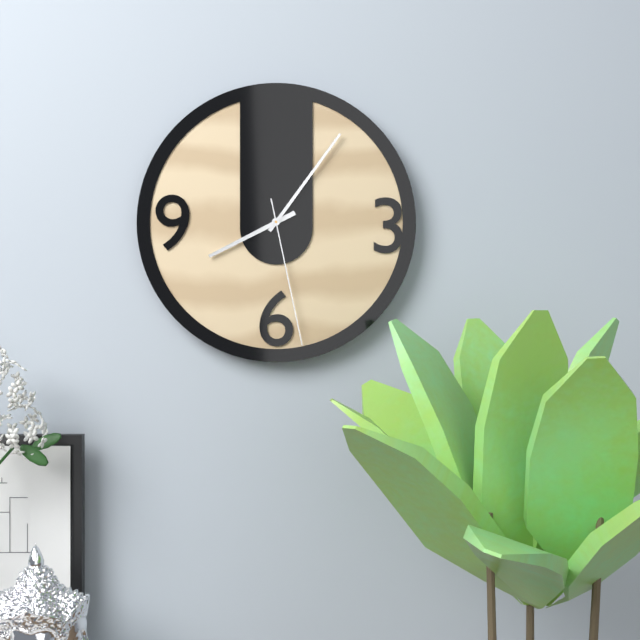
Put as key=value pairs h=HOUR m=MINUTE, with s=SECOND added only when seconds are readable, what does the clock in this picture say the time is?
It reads h=8 m=6 s=28
